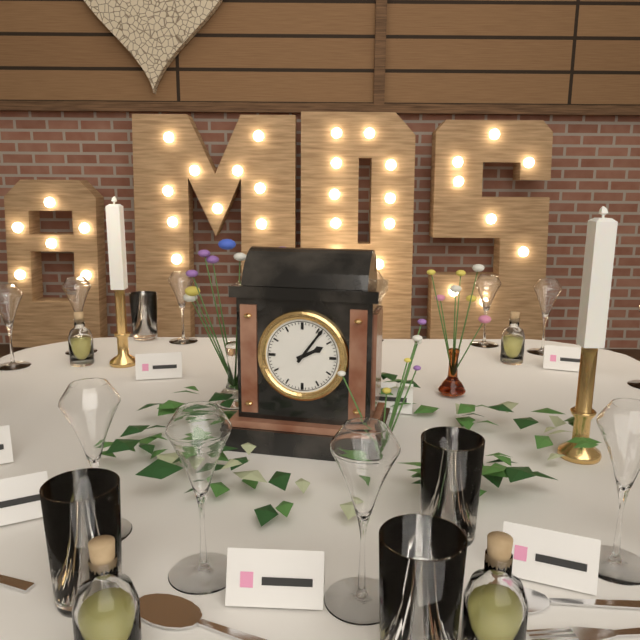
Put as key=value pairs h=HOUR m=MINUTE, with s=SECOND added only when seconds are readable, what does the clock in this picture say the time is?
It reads h=2 m=6
